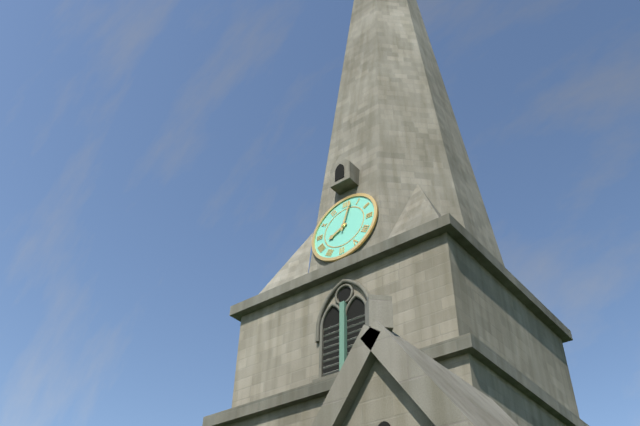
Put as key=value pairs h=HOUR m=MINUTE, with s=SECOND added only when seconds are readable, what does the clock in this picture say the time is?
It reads h=8 m=2
